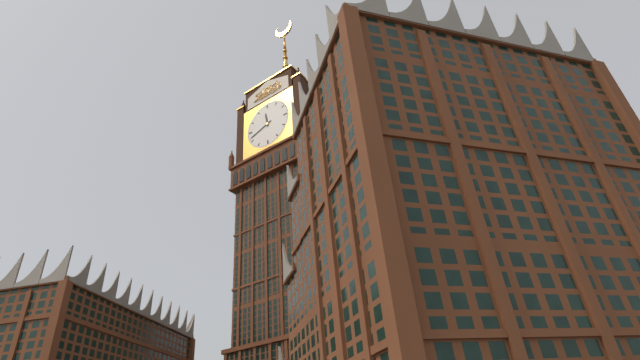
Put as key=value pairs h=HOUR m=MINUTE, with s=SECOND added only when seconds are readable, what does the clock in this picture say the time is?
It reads h=11 m=42
